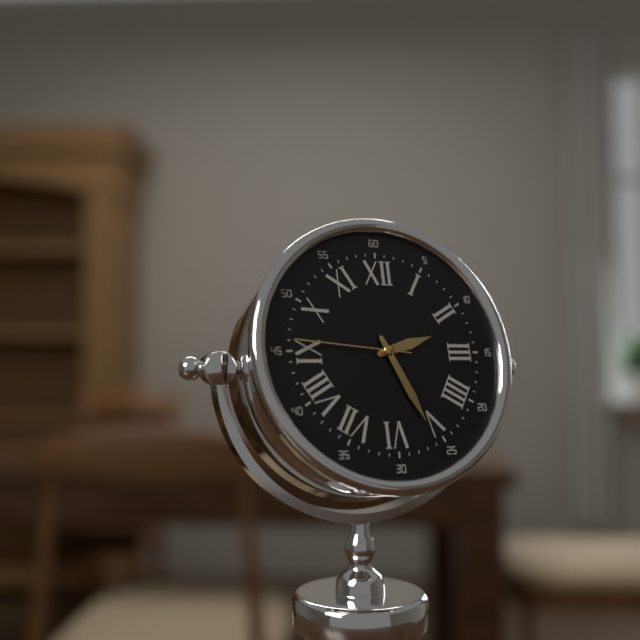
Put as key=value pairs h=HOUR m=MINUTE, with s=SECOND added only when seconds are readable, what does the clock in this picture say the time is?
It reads h=2 m=26 s=46
